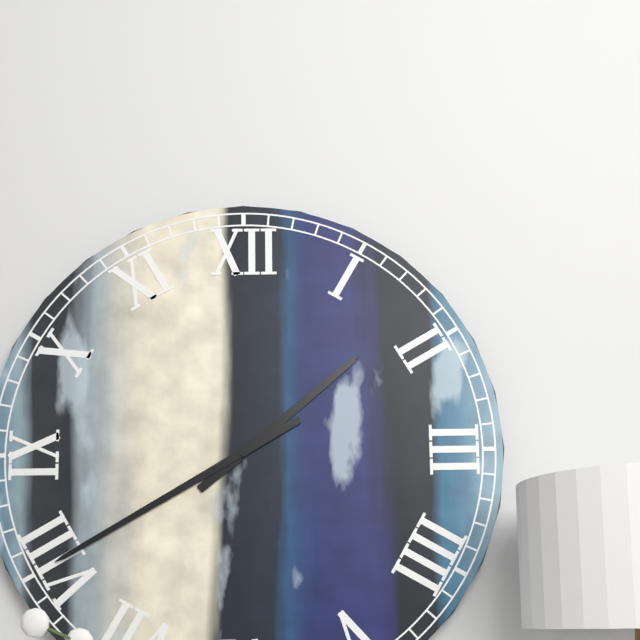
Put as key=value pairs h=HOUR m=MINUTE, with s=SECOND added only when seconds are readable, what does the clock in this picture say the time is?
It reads h=1 m=40
